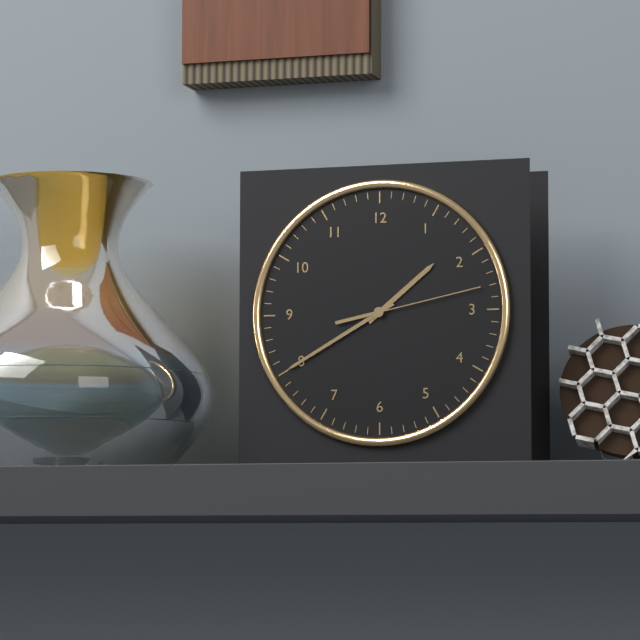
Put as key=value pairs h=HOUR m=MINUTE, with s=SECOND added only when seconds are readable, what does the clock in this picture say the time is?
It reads h=1 m=40 s=13
